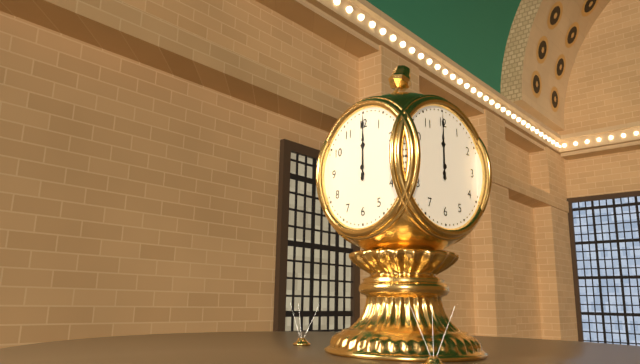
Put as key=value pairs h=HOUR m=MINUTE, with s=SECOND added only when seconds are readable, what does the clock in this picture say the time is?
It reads h=12 m=0
